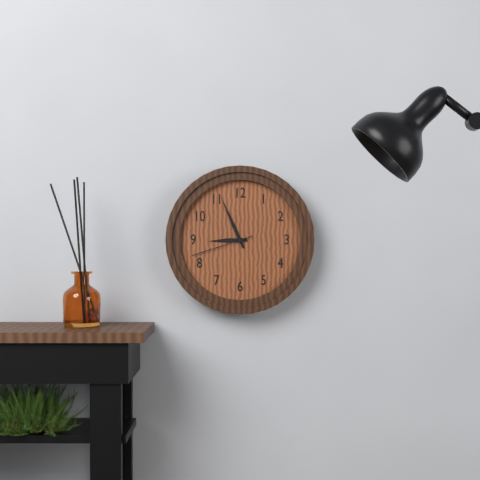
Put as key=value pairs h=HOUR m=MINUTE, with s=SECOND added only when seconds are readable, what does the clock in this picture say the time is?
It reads h=8 m=56 s=42
